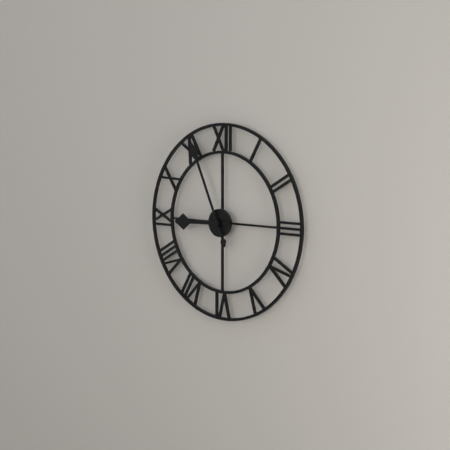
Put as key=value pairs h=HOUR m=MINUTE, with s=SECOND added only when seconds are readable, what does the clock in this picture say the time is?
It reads h=8 m=56
